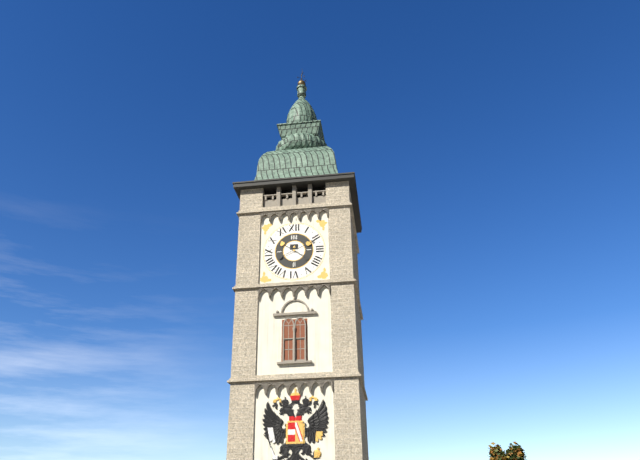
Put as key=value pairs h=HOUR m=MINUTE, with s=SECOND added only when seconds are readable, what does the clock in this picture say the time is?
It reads h=10 m=11
